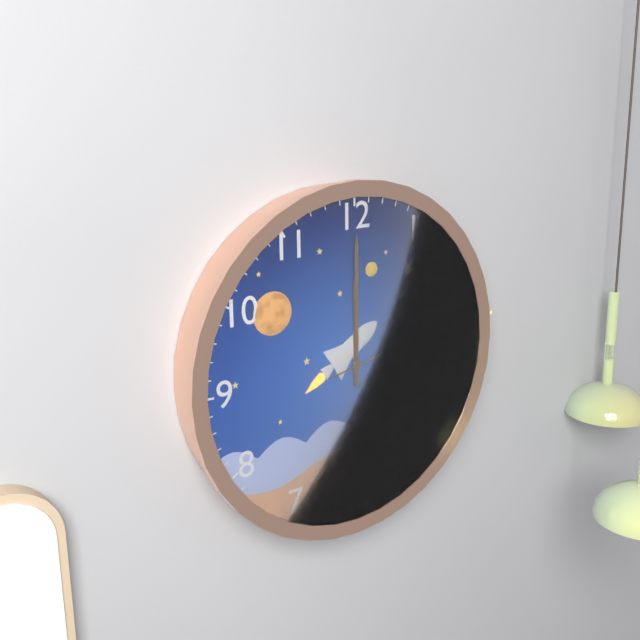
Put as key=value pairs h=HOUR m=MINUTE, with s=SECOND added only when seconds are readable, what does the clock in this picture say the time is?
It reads h=12 m=0 s=13
